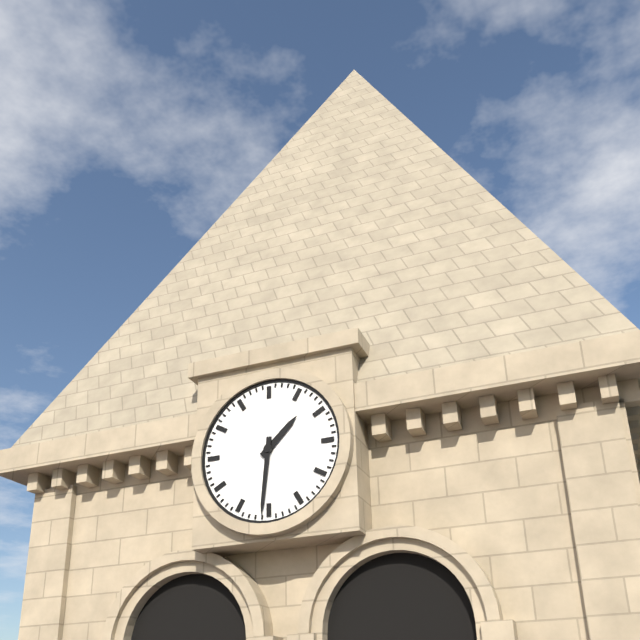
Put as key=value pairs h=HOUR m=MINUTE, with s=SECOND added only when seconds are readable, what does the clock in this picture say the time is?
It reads h=1 m=31
